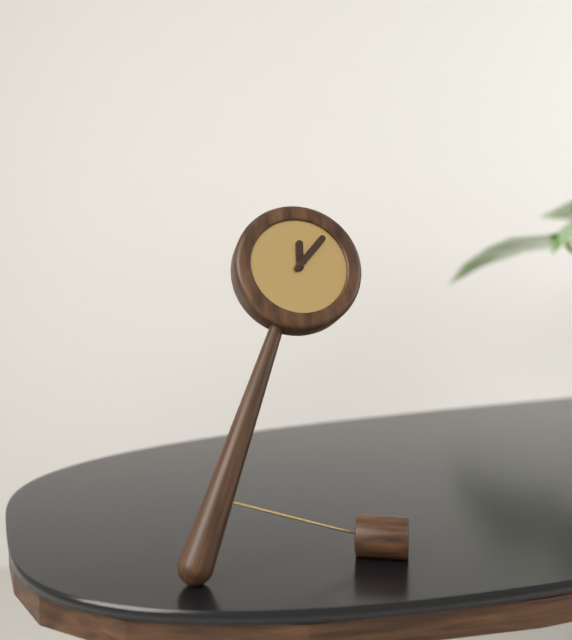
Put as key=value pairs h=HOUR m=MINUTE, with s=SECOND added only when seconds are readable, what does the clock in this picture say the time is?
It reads h=12 m=7
